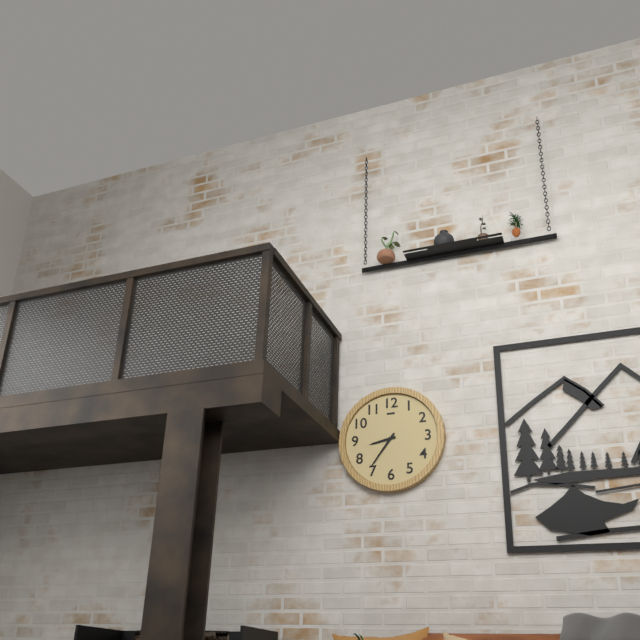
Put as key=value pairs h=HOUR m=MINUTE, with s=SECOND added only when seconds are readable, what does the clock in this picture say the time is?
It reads h=8 m=36
